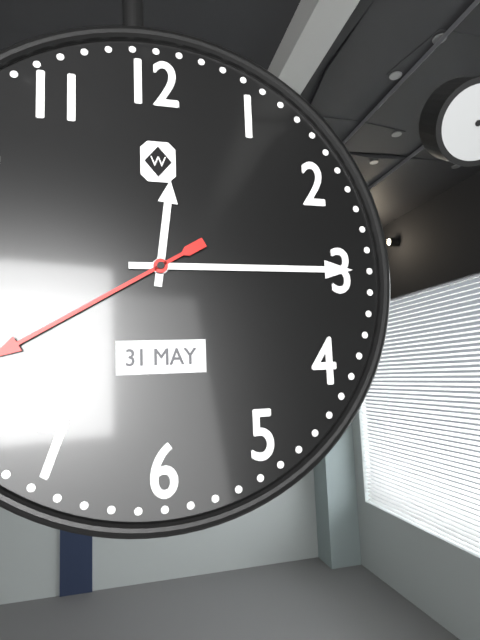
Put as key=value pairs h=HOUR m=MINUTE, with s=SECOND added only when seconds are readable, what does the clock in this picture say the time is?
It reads h=12 m=15
